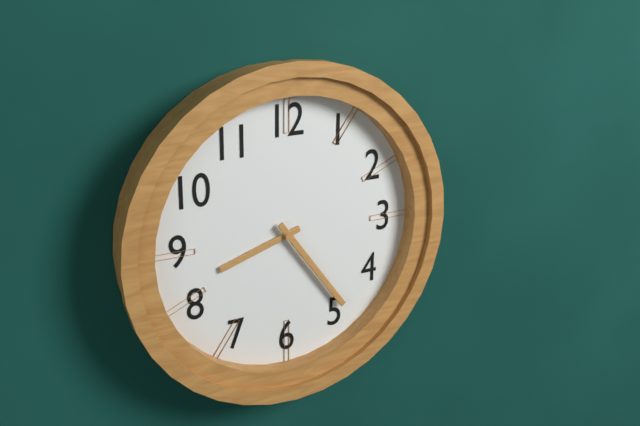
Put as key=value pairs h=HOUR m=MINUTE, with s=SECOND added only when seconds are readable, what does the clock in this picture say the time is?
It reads h=8 m=24
